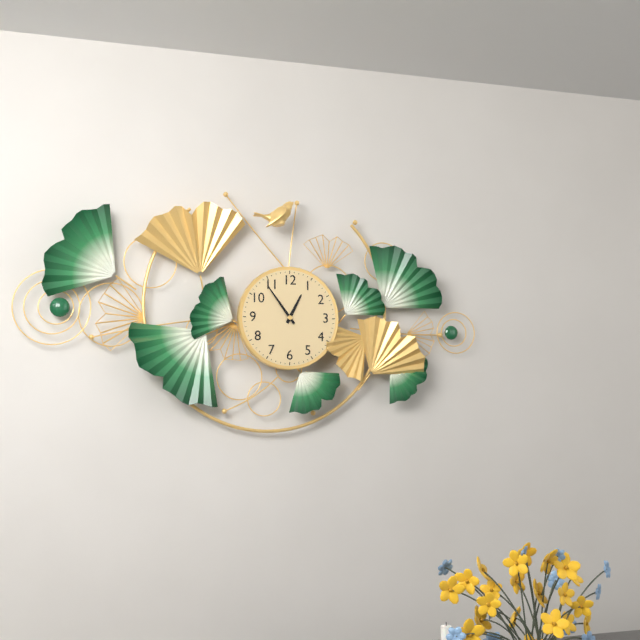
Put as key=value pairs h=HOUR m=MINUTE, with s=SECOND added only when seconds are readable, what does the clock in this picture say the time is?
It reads h=12 m=54
